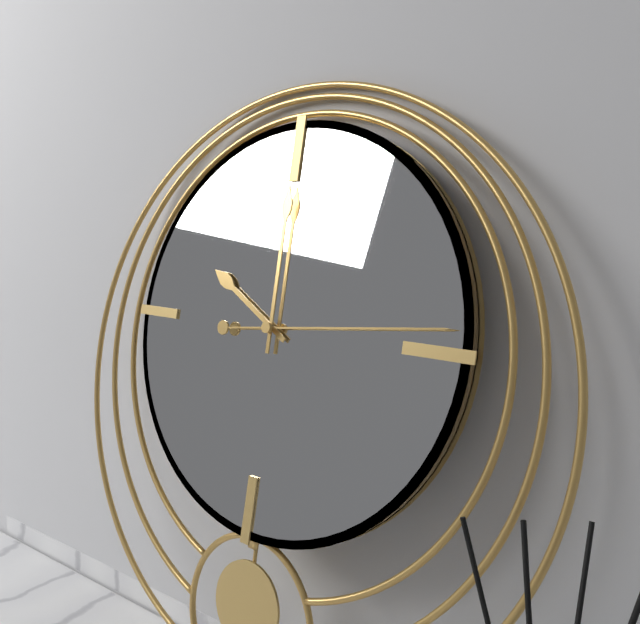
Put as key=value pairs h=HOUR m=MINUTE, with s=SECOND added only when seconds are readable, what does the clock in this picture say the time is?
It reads h=10 m=0 s=14
